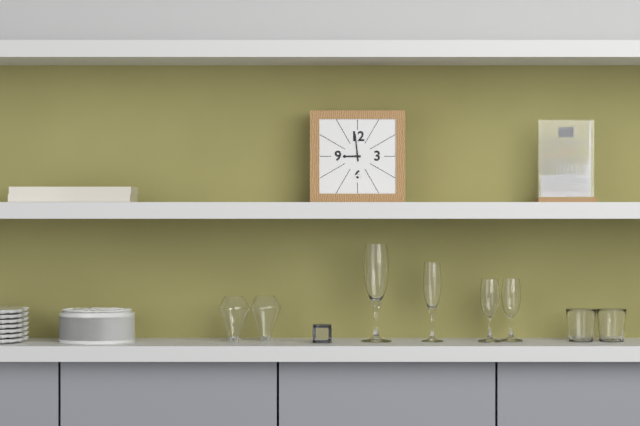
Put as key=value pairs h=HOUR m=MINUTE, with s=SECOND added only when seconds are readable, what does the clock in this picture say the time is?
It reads h=8 m=59
